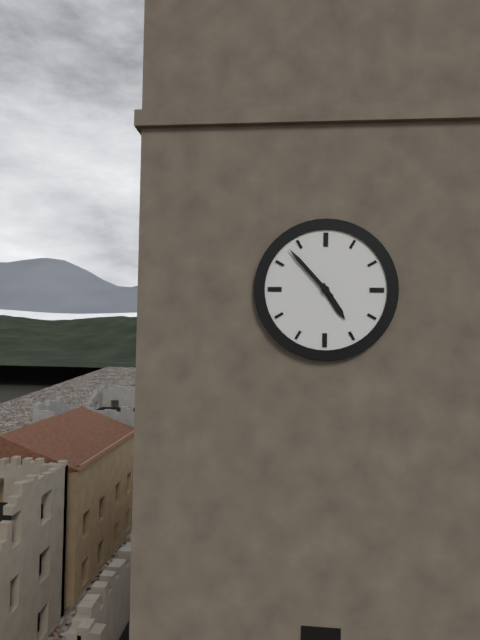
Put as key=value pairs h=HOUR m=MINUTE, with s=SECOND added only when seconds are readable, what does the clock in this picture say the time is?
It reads h=4 m=53
